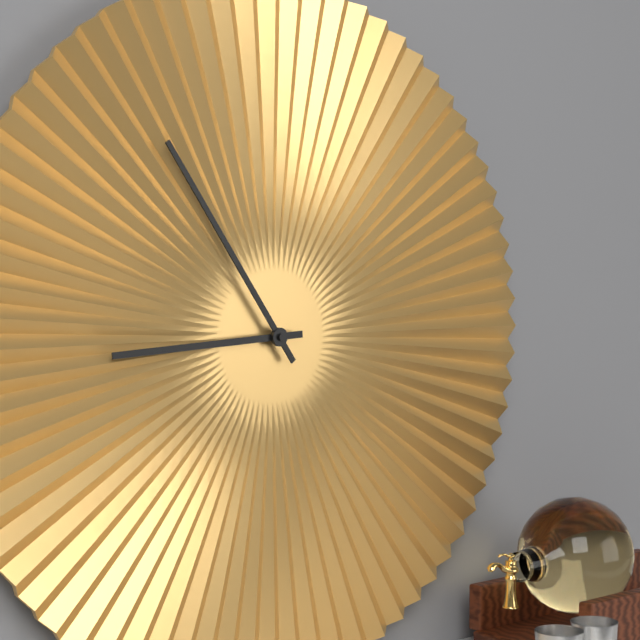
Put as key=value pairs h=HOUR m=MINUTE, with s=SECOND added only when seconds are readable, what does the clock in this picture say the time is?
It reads h=8 m=54
